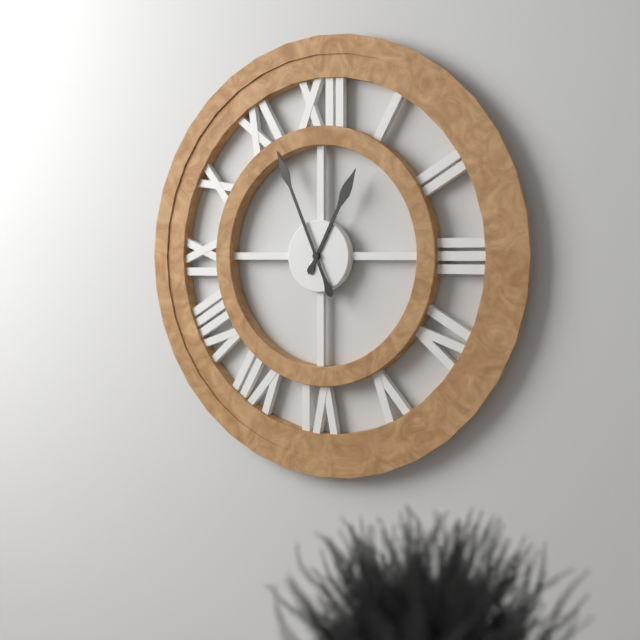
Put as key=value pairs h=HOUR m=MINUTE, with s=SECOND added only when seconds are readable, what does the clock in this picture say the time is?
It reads h=12 m=56
